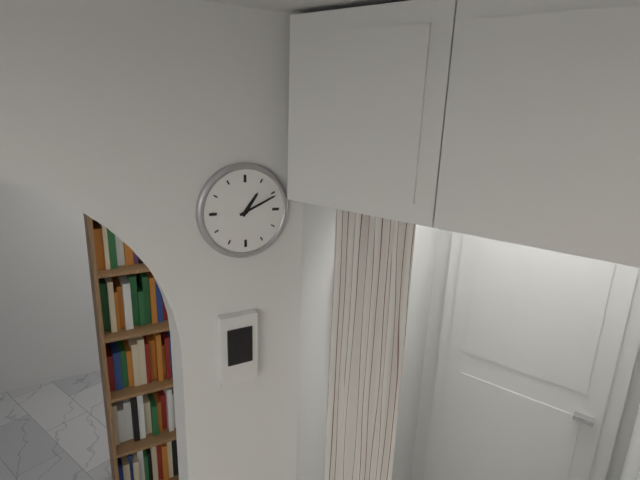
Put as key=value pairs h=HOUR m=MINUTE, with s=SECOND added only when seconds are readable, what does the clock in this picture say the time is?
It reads h=1 m=11
